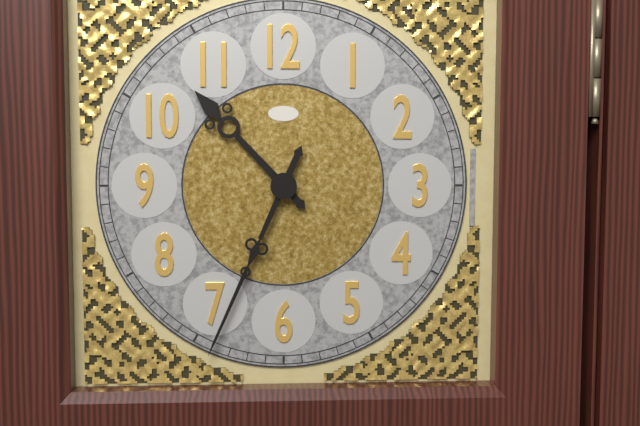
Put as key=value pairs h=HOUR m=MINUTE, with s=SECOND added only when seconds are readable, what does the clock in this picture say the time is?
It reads h=10 m=34
